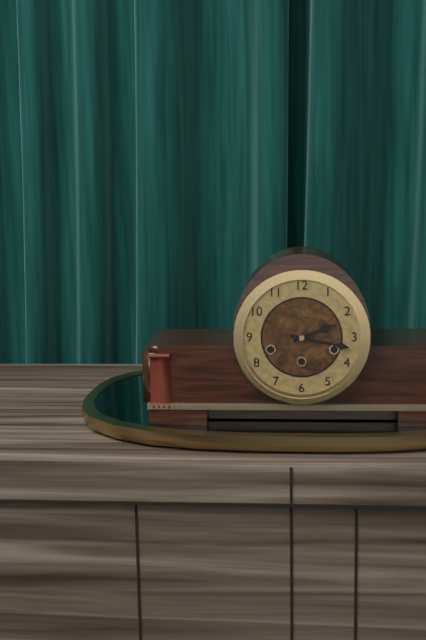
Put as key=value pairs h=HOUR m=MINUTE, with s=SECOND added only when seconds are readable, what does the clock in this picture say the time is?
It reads h=2 m=17
